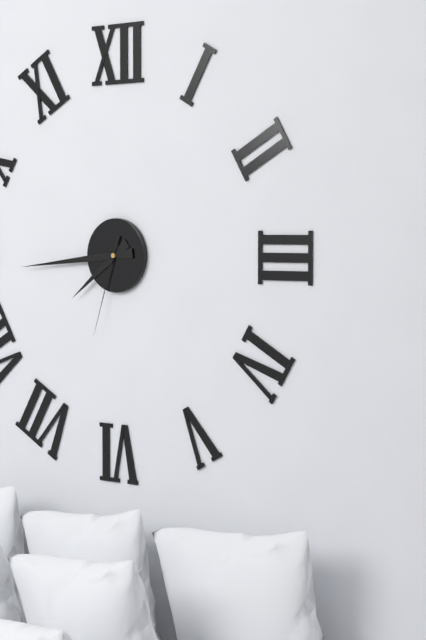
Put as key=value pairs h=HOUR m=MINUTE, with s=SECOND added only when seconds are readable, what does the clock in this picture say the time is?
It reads h=7 m=44 s=33
